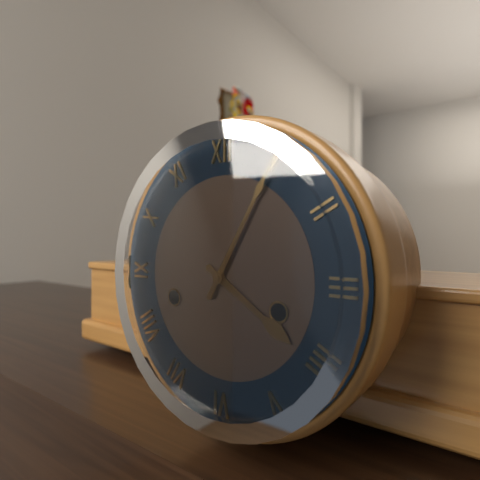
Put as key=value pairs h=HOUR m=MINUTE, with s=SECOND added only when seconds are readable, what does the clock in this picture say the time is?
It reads h=4 m=5
